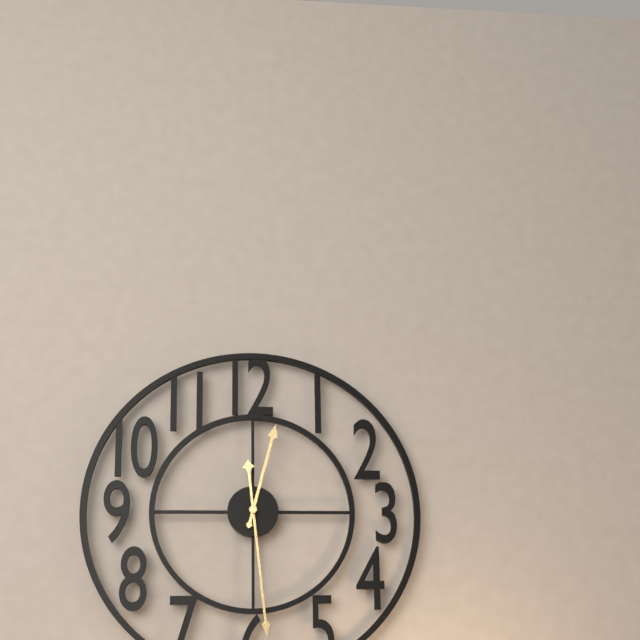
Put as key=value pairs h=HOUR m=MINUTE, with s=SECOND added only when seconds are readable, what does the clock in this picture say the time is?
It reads h=12 m=29
